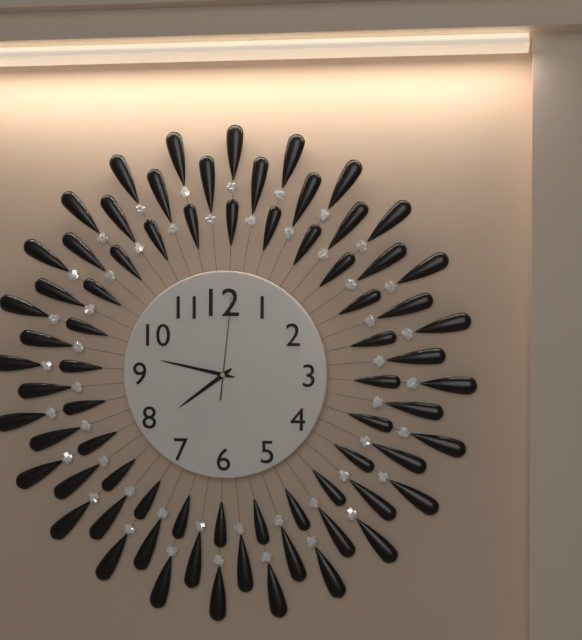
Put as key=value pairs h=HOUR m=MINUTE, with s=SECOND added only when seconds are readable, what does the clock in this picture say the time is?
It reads h=7 m=47 s=1
